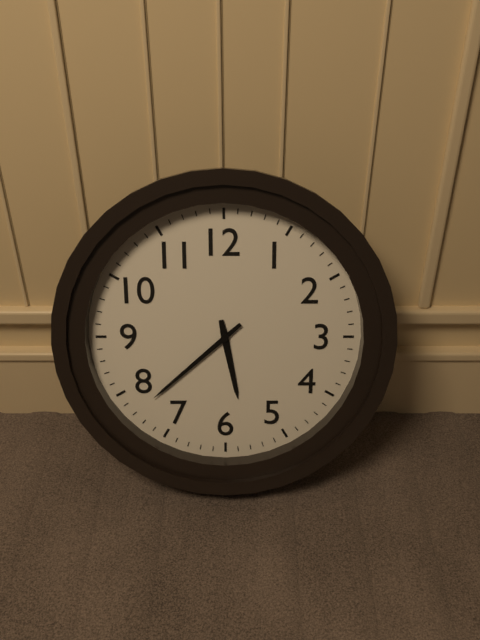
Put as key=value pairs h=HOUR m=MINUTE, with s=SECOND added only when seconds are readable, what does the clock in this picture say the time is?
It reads h=5 m=38
